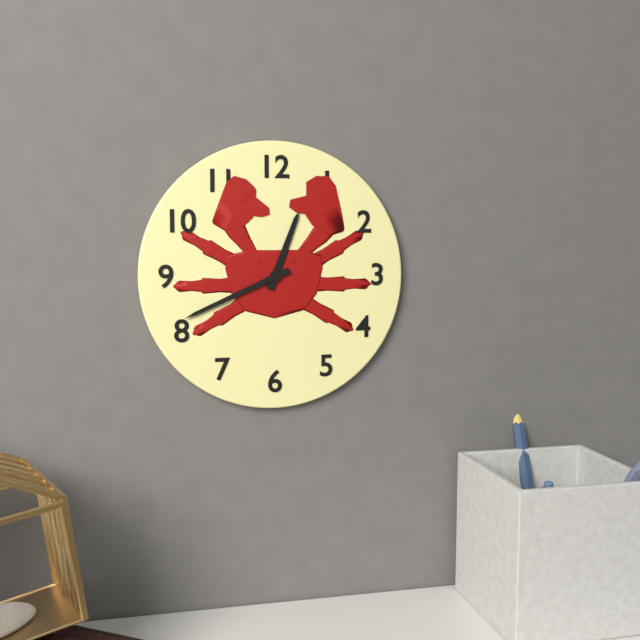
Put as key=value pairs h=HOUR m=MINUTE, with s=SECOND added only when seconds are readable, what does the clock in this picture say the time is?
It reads h=12 m=41
